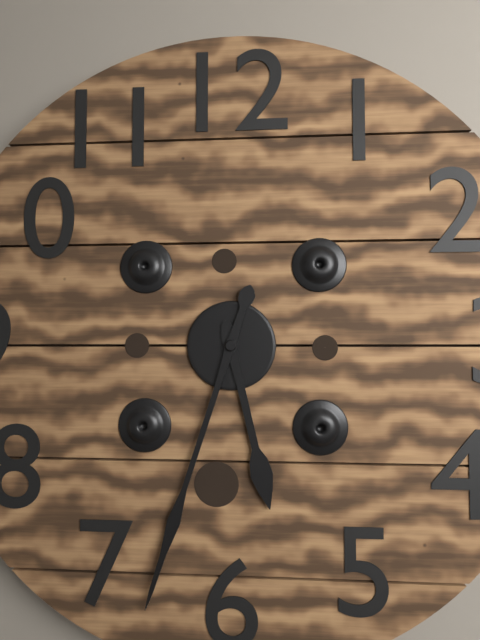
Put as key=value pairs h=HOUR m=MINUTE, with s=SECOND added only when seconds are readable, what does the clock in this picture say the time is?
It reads h=5 m=33
